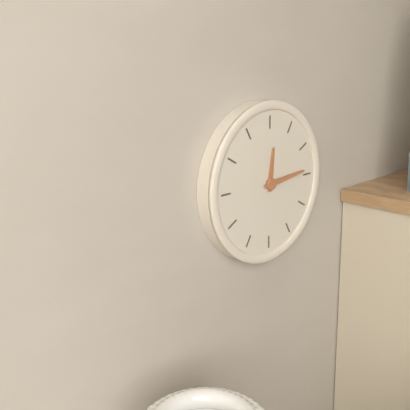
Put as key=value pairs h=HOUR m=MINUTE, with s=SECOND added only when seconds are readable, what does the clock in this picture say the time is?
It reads h=12 m=14
